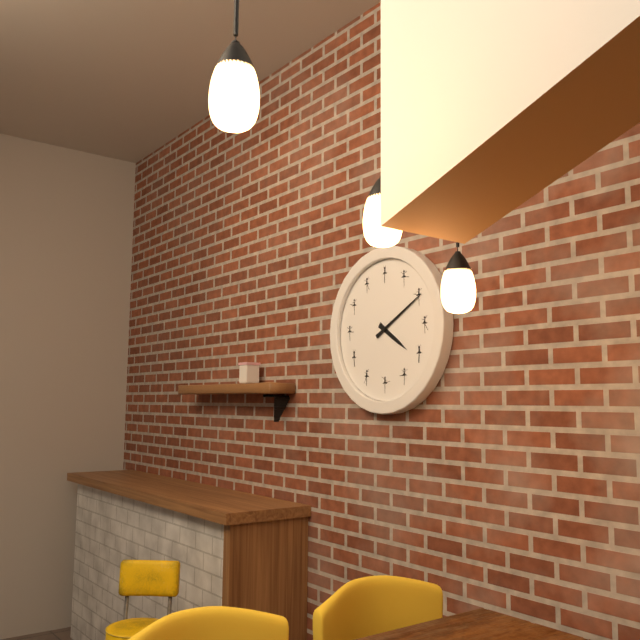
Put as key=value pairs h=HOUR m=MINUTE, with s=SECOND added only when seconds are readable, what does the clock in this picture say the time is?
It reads h=4 m=10
